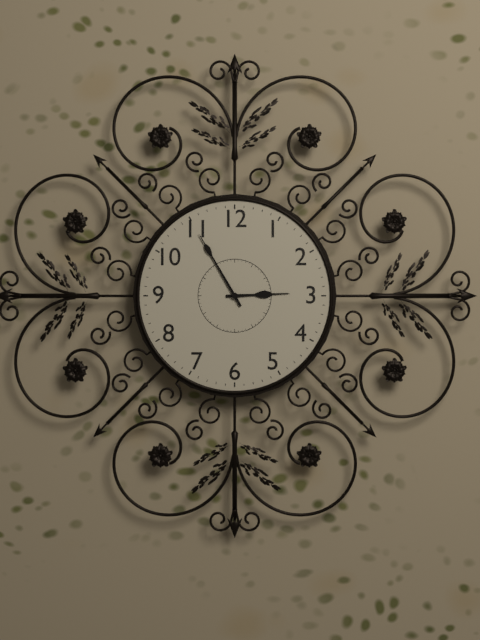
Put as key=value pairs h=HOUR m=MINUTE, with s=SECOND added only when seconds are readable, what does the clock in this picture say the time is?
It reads h=2 m=55
